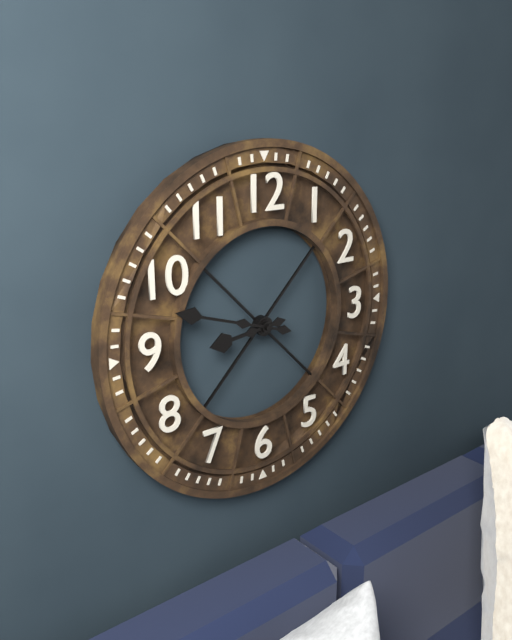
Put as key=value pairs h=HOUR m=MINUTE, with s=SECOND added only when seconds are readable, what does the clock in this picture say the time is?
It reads h=8 m=48
